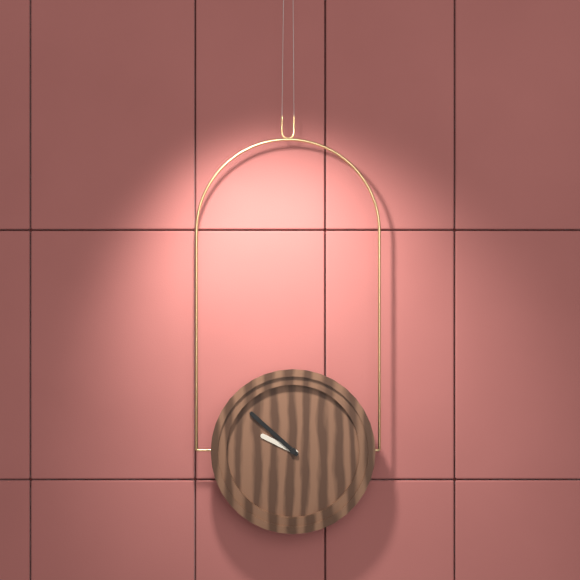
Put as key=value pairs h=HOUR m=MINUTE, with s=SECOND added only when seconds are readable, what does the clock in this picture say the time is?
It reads h=9 m=52
